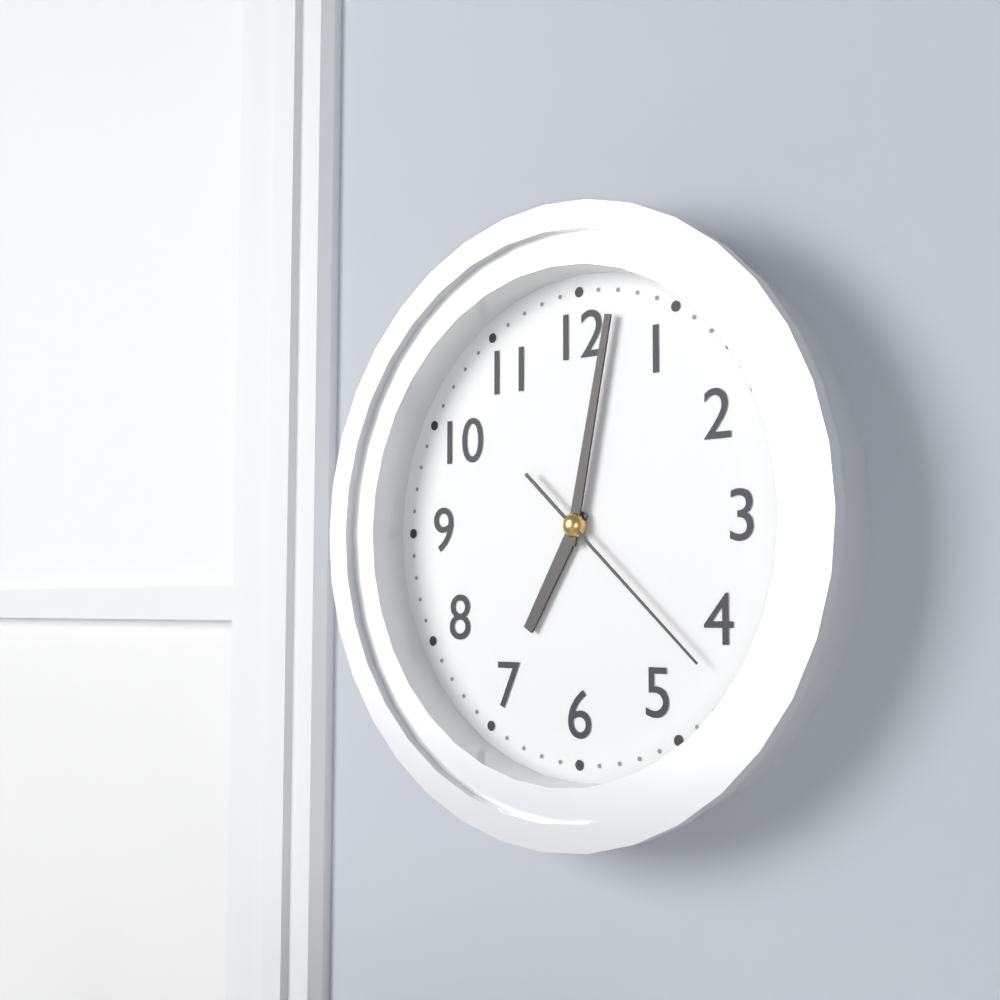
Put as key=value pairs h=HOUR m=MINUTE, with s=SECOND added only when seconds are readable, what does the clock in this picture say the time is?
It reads h=7 m=2 s=22
